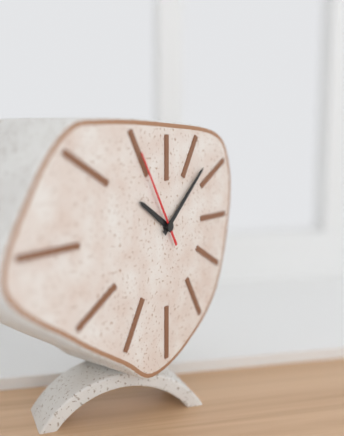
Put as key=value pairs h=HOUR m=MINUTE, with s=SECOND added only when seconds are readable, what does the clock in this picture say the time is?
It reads h=10 m=8 s=55
